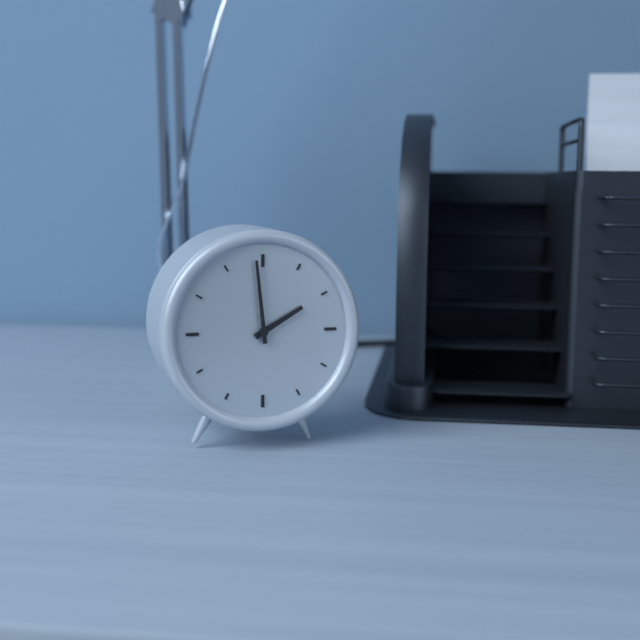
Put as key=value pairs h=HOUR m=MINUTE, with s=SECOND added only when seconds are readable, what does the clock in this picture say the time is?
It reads h=1 m=59
